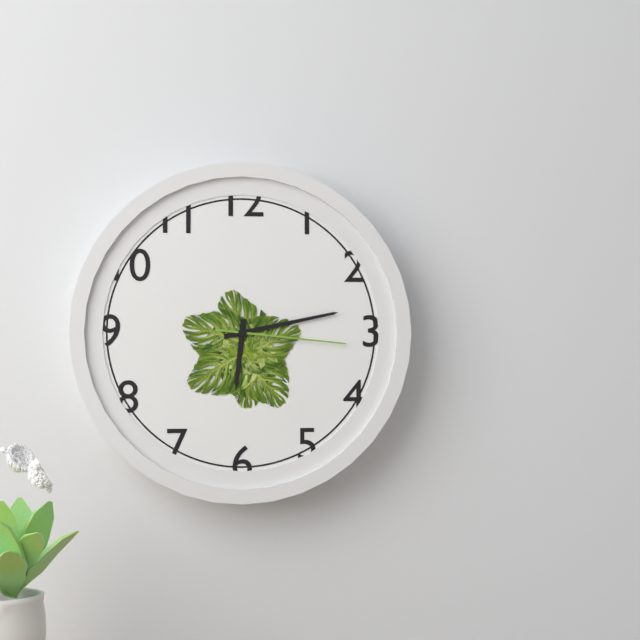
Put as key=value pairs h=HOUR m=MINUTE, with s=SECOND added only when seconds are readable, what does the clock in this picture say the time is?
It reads h=6 m=13 s=16
